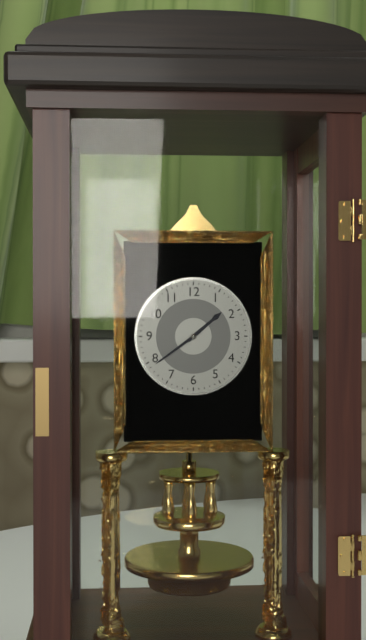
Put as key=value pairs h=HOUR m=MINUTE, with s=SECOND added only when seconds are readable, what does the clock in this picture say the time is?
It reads h=1 m=39
